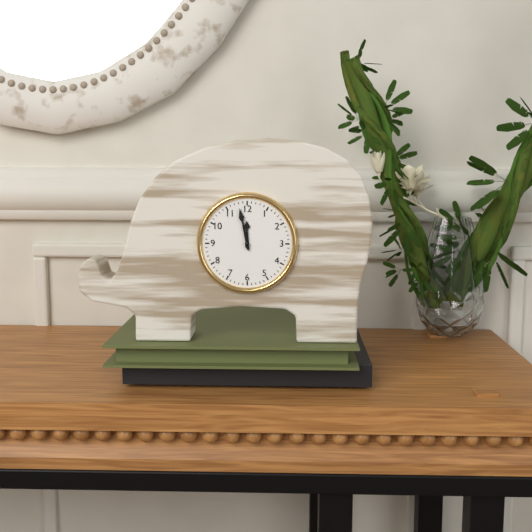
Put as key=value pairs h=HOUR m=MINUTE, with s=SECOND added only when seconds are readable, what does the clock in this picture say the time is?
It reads h=11 m=58
